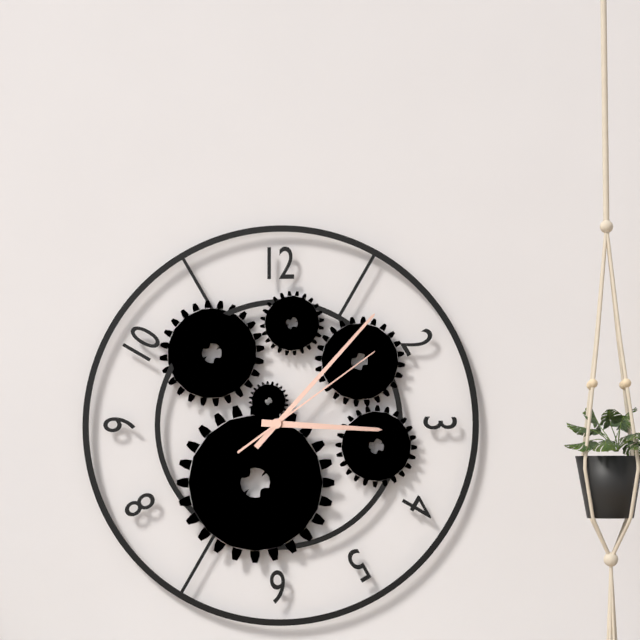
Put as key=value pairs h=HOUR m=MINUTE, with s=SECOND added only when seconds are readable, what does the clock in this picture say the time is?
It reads h=3 m=7 s=9
